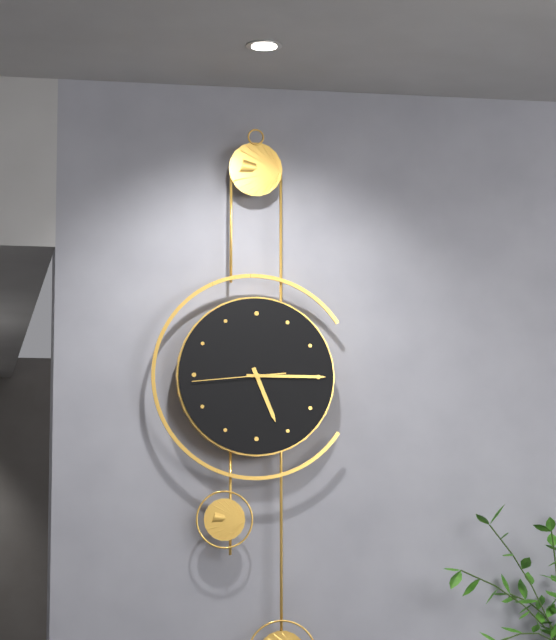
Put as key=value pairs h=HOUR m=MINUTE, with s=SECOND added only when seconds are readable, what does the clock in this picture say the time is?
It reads h=5 m=15 s=44
